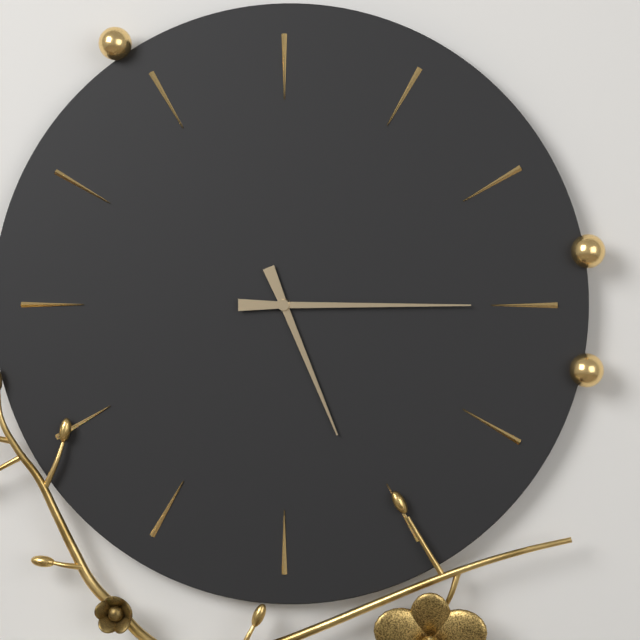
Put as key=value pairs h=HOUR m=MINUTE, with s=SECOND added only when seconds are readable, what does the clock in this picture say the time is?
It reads h=5 m=15
